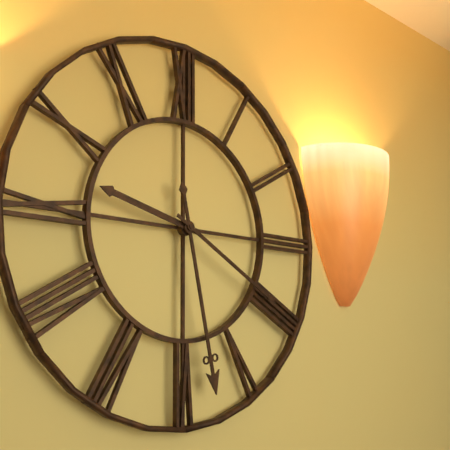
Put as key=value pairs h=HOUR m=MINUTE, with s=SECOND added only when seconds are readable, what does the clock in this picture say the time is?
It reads h=9 m=28 s=20
